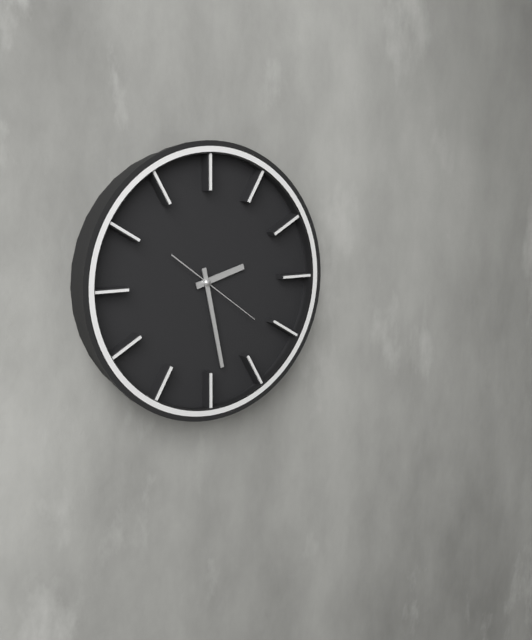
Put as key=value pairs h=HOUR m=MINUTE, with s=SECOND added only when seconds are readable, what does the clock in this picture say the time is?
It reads h=2 m=28 s=21
